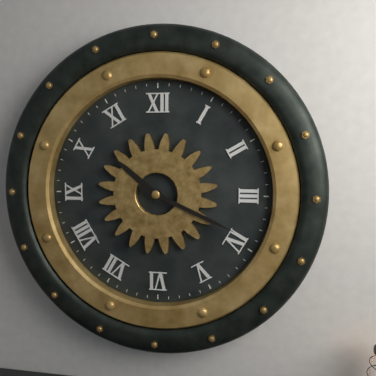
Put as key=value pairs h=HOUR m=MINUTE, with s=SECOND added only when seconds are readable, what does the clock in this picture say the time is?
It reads h=10 m=19
